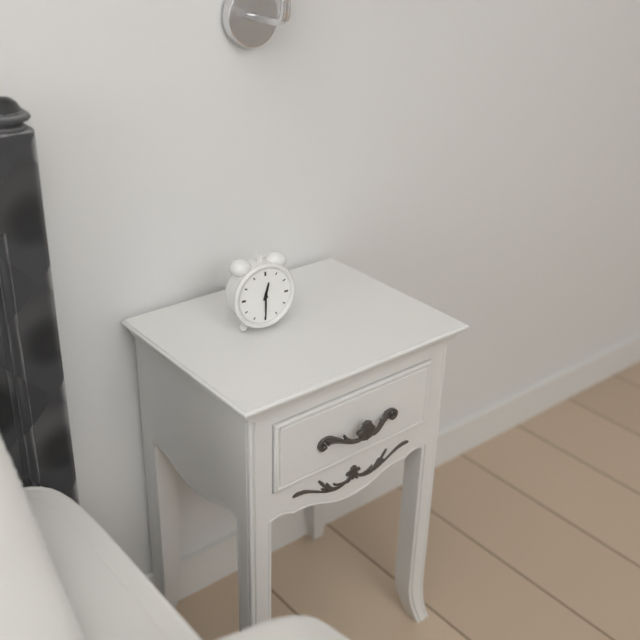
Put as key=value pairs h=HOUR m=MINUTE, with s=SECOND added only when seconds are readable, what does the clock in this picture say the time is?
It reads h=12 m=30
